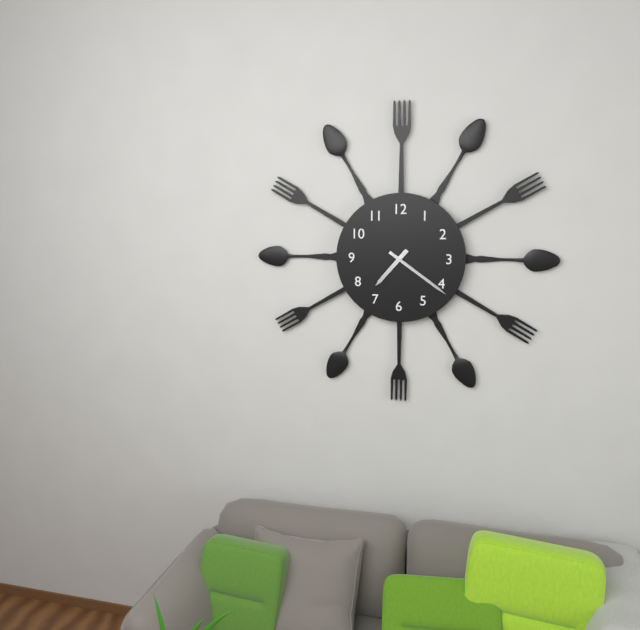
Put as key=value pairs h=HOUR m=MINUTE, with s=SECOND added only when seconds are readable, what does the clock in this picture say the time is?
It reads h=7 m=21
